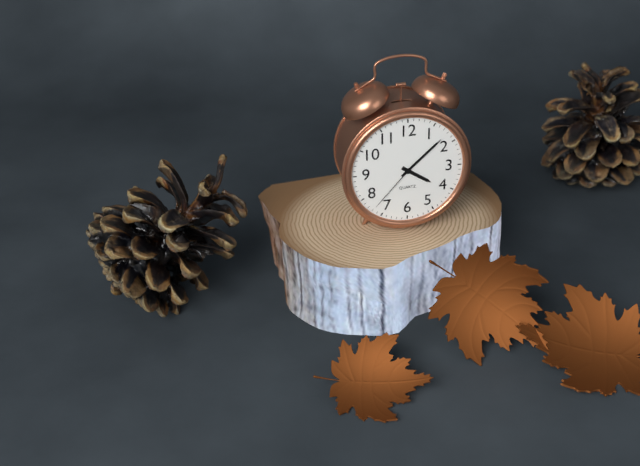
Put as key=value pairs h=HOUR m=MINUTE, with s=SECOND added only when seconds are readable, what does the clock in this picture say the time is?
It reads h=4 m=8 s=37
